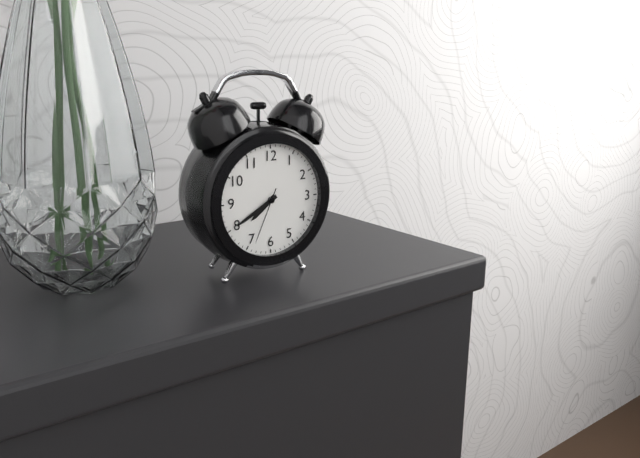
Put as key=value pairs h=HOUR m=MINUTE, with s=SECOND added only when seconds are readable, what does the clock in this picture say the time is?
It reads h=7 m=40 s=34
